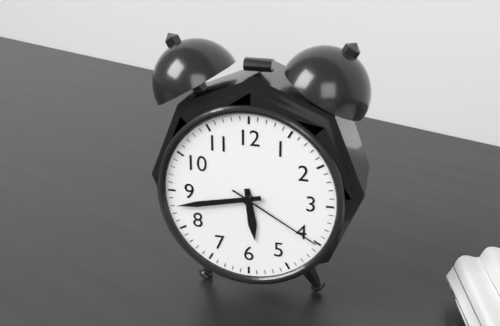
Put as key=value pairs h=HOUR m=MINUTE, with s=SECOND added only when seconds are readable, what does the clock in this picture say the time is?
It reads h=5 m=43 s=20
